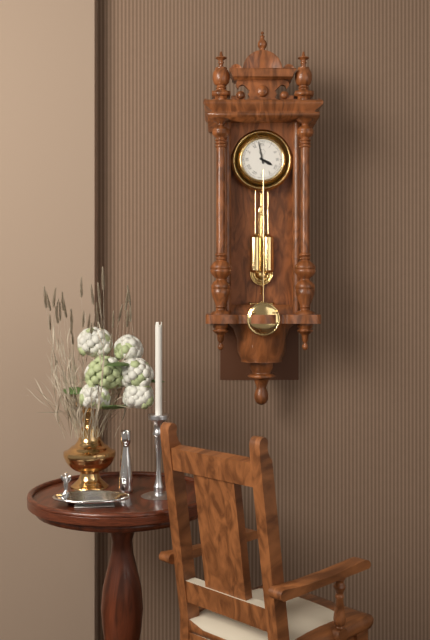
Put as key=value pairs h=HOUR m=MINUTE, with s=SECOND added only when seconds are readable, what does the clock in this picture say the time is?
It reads h=3 m=58
